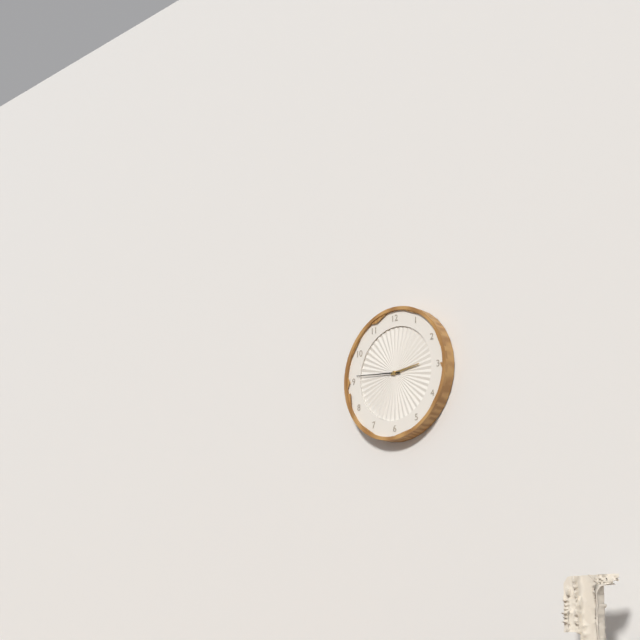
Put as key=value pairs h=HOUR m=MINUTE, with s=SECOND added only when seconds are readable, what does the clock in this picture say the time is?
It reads h=2 m=46
